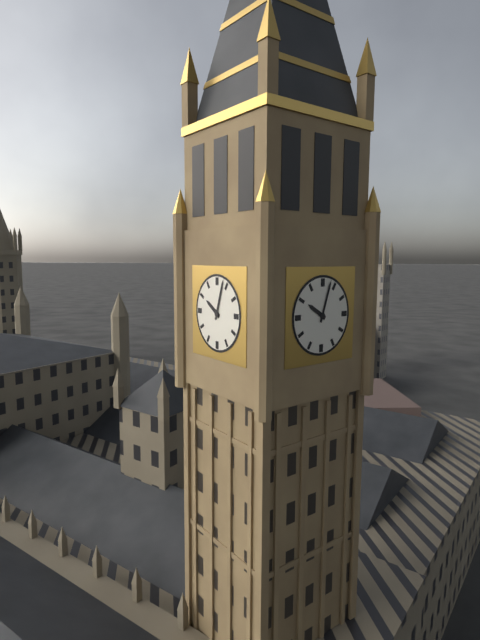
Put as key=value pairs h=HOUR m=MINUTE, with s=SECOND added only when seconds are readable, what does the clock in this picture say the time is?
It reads h=10 m=3
